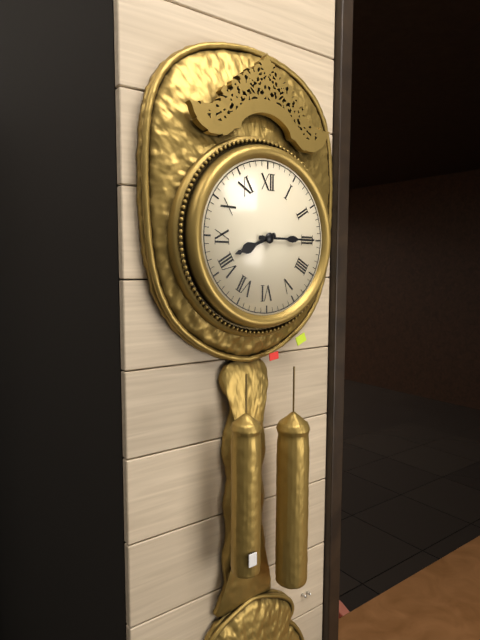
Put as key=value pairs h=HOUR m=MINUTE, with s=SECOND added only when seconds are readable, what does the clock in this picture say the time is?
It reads h=8 m=15
